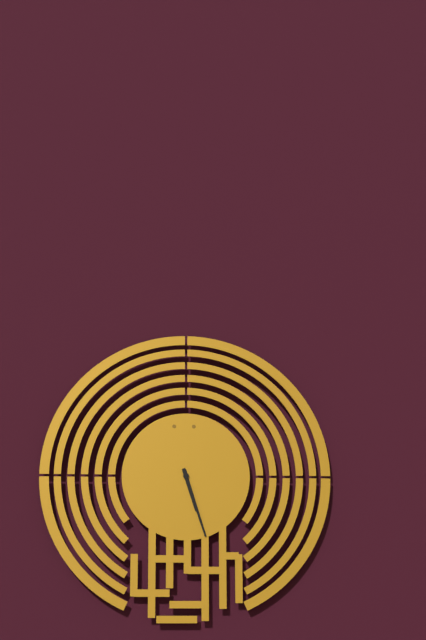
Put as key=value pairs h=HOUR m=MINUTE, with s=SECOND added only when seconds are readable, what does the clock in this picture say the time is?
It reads h=5 m=27
